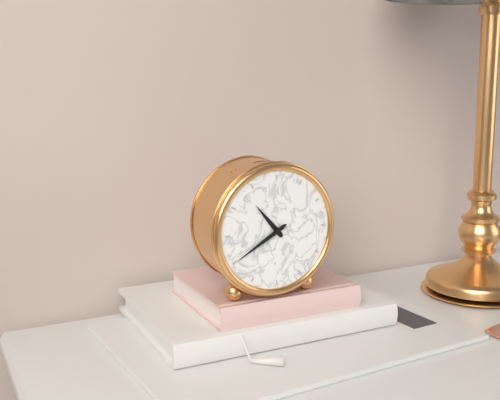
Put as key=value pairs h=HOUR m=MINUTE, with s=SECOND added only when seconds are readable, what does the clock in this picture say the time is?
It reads h=10 m=40
